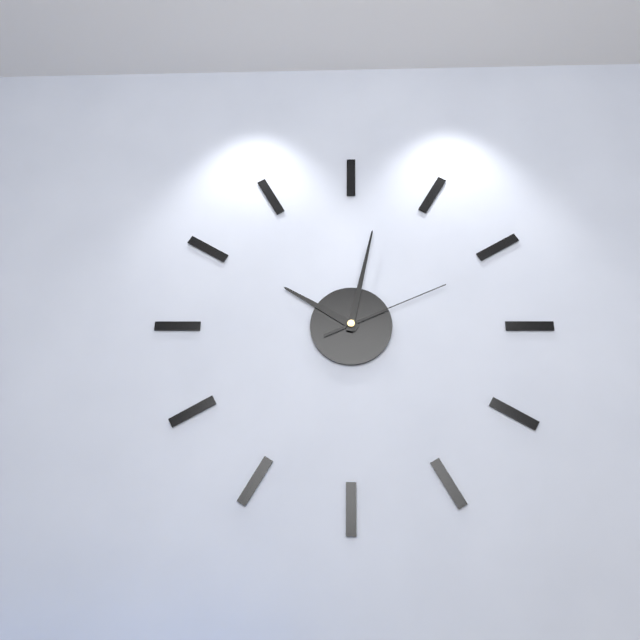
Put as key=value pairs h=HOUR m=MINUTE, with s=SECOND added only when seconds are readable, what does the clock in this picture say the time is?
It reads h=10 m=2 s=11
